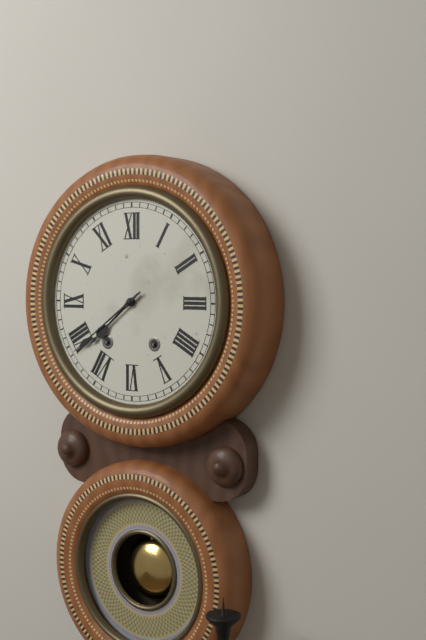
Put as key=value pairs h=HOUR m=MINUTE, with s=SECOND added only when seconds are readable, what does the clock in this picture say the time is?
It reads h=7 m=39
